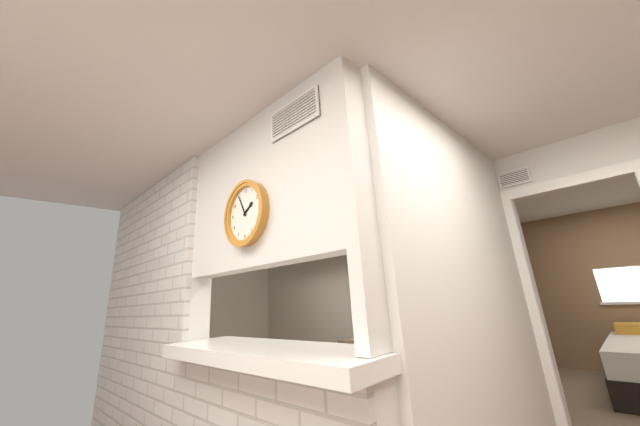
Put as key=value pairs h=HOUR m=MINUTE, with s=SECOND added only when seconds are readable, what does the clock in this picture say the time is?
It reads h=1 m=55
